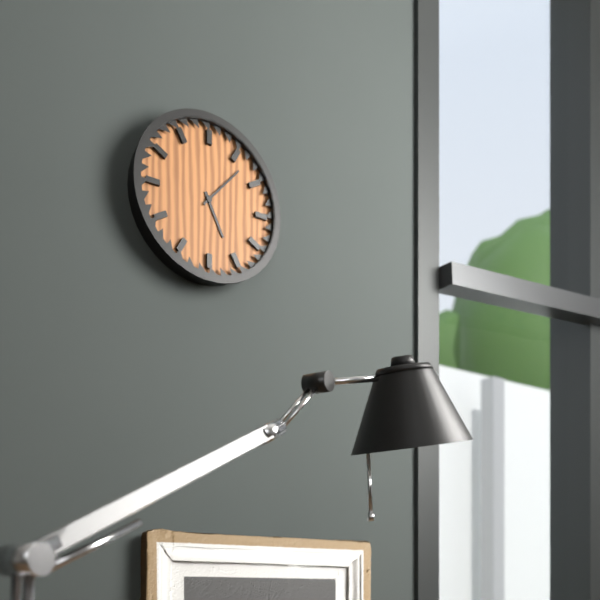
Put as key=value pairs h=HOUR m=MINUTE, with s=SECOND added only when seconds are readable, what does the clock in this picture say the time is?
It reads h=5 m=7
